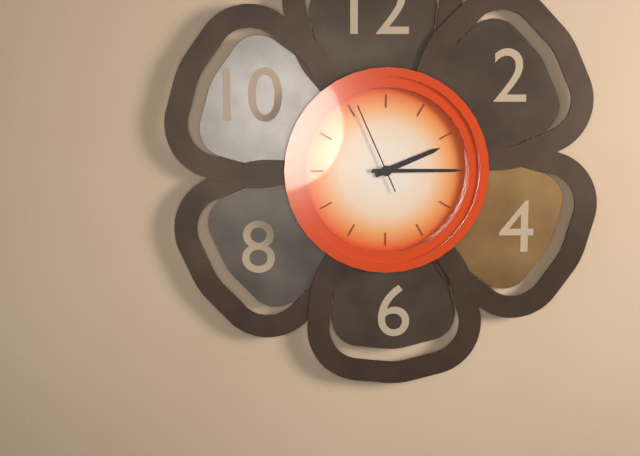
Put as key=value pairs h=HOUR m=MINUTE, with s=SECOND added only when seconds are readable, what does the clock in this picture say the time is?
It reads h=2 m=15 s=56
